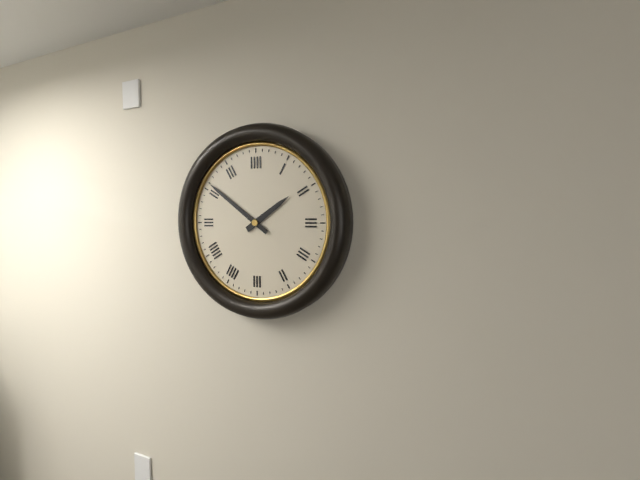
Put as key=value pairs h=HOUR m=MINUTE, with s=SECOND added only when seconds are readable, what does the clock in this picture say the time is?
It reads h=1 m=51
